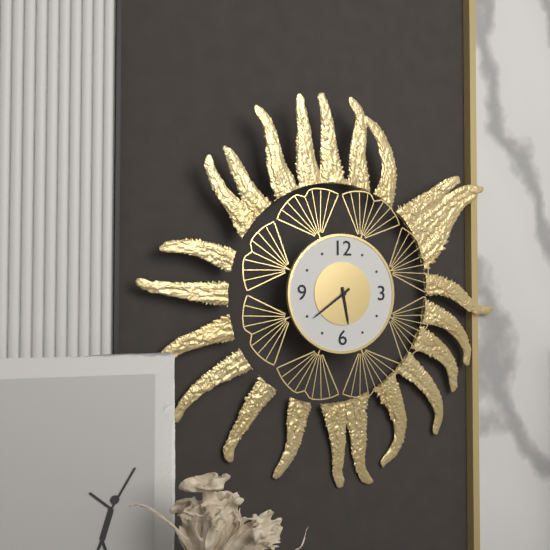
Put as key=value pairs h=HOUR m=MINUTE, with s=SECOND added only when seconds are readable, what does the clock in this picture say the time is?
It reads h=5 m=39
